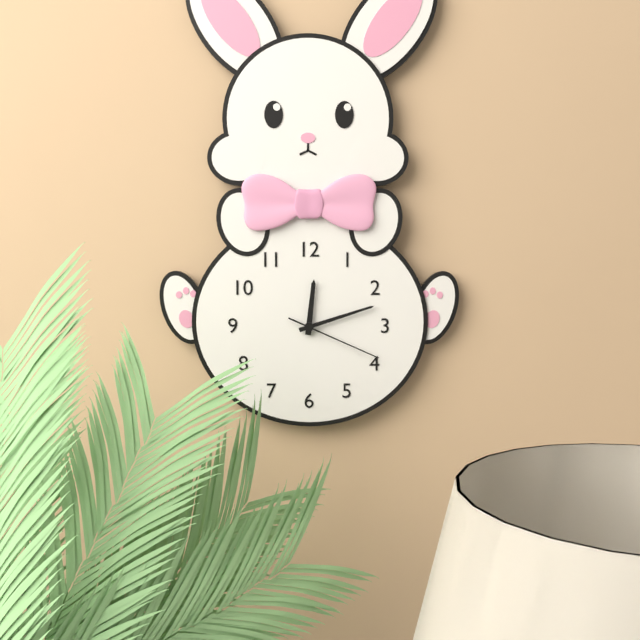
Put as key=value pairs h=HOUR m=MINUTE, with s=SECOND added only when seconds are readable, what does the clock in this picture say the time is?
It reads h=12 m=12 s=19
